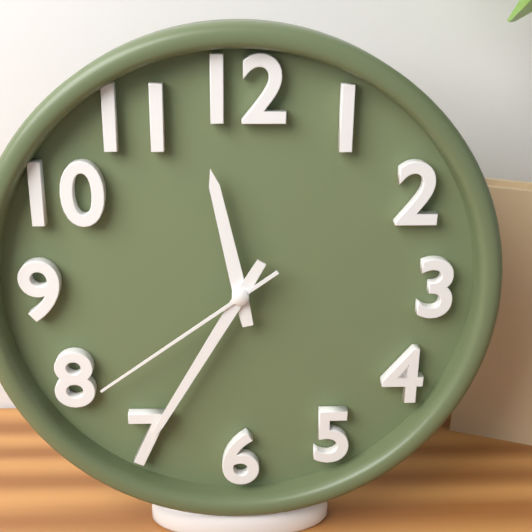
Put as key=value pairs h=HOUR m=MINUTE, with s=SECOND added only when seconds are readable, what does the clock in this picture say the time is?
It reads h=11 m=35 s=39
